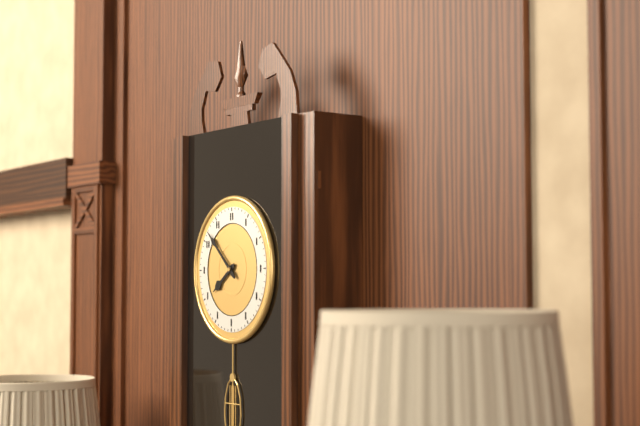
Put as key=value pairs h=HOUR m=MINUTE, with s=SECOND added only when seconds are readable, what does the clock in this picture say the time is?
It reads h=7 m=52
